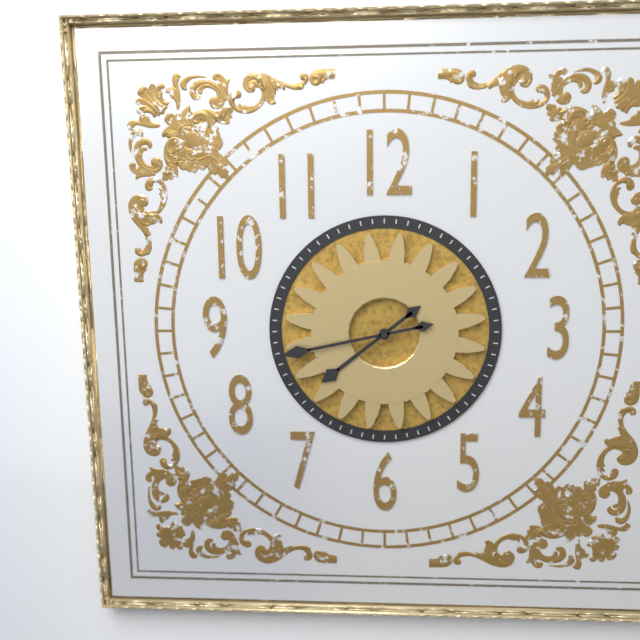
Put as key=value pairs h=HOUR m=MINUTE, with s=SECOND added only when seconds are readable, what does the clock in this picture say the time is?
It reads h=7 m=43
